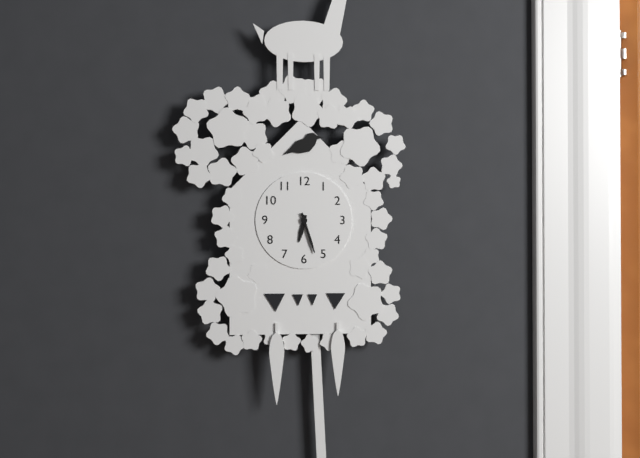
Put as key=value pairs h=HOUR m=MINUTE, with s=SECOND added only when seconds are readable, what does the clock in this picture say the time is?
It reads h=6 m=27
